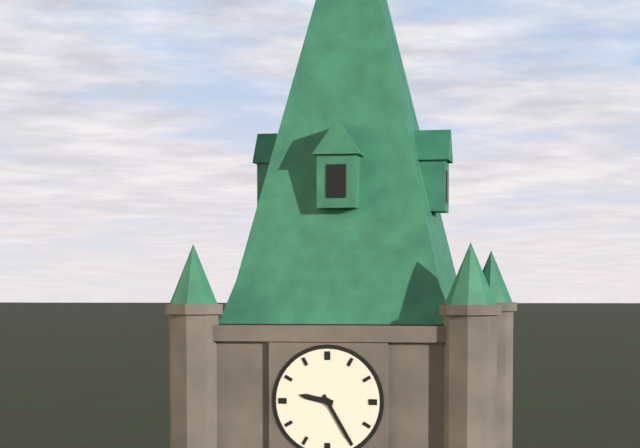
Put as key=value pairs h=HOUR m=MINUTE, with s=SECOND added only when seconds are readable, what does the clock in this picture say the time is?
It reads h=9 m=25
